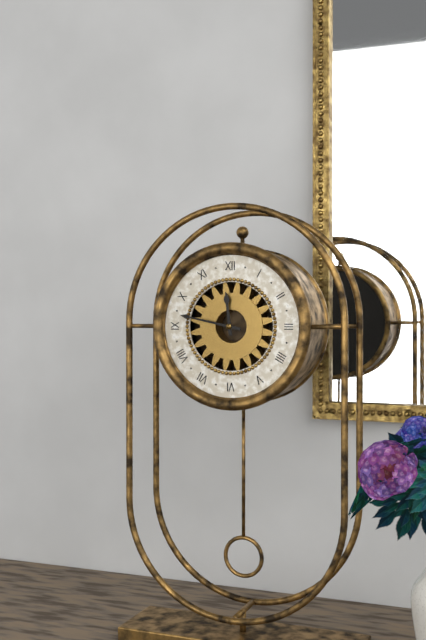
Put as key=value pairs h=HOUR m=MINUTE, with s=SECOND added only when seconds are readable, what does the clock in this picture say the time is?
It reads h=11 m=47
